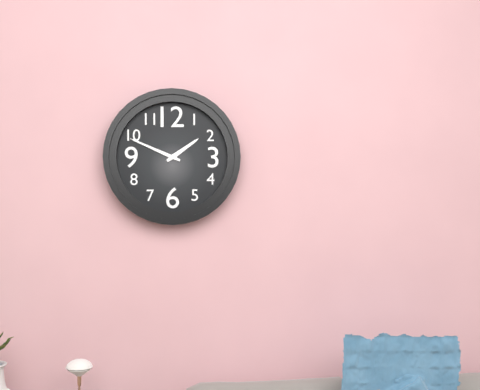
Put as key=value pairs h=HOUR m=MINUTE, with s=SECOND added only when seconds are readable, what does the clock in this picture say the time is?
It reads h=1 m=49
